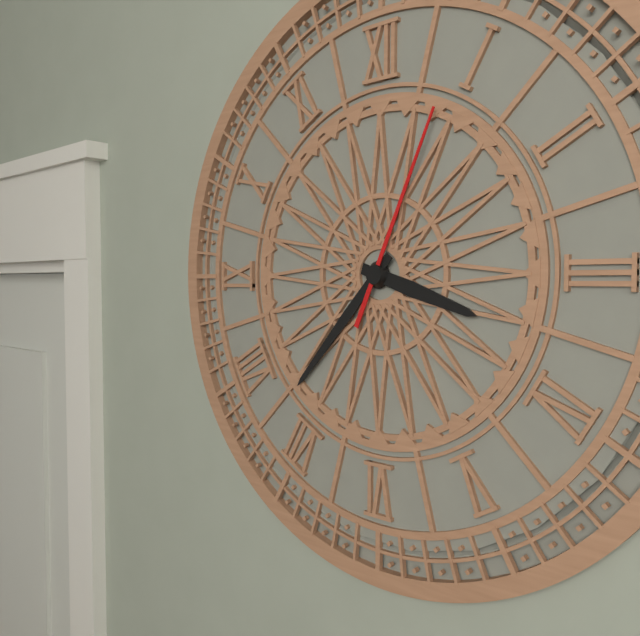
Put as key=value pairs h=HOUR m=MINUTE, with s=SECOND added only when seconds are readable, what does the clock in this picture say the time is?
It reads h=3 m=37 s=4
